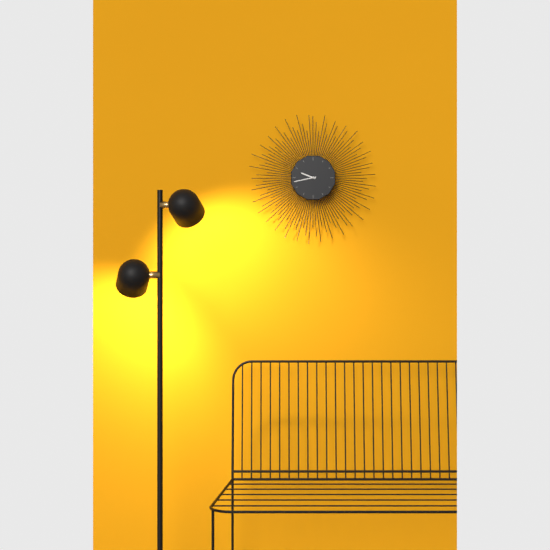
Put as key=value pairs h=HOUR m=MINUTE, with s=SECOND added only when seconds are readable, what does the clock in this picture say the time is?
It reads h=9 m=43
